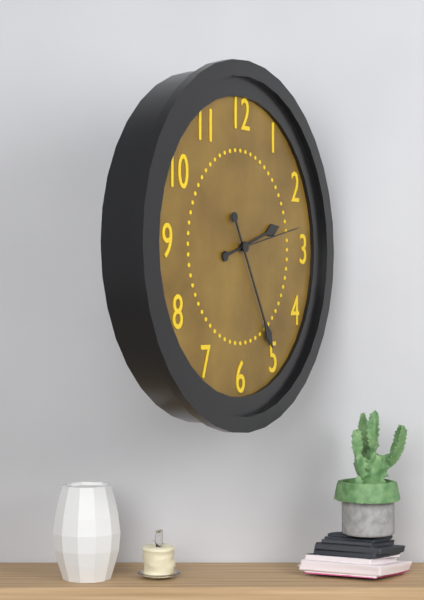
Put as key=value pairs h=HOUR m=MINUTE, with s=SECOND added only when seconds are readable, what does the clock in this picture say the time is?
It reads h=2 m=25 s=13
